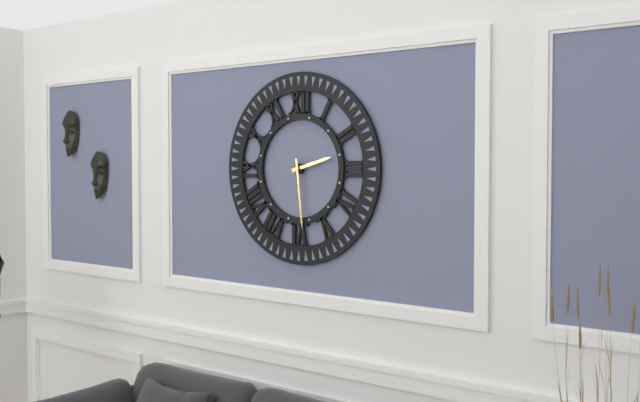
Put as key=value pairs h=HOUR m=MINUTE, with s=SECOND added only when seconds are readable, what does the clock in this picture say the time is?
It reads h=2 m=29
